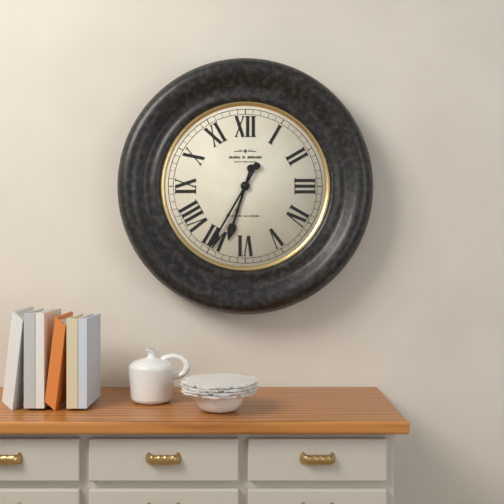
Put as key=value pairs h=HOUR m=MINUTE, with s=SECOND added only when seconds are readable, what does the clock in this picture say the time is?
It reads h=6 m=35
